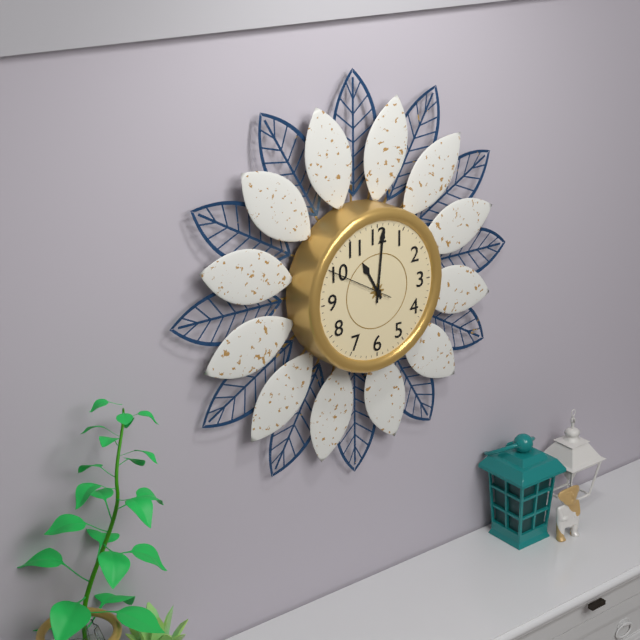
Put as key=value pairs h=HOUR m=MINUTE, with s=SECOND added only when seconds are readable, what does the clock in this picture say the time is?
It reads h=11 m=1 s=50
